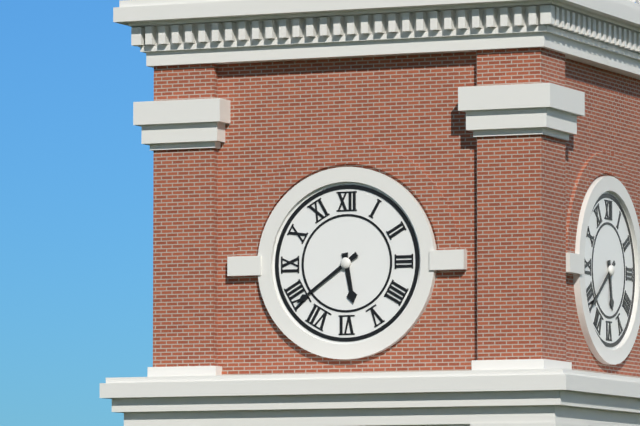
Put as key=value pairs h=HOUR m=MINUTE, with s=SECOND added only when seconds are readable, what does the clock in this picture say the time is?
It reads h=5 m=39
